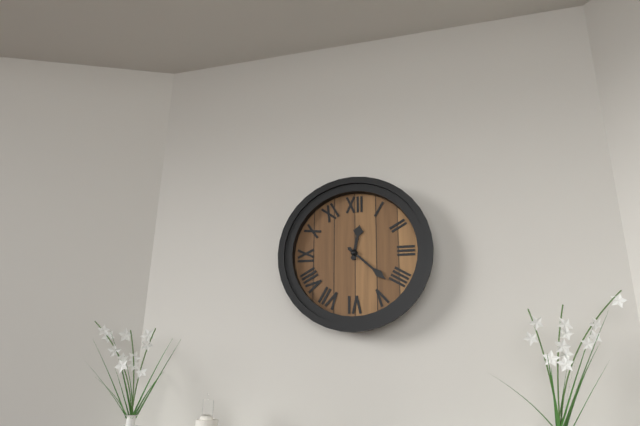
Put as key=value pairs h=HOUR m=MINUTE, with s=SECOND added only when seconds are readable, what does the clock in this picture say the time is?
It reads h=12 m=22
